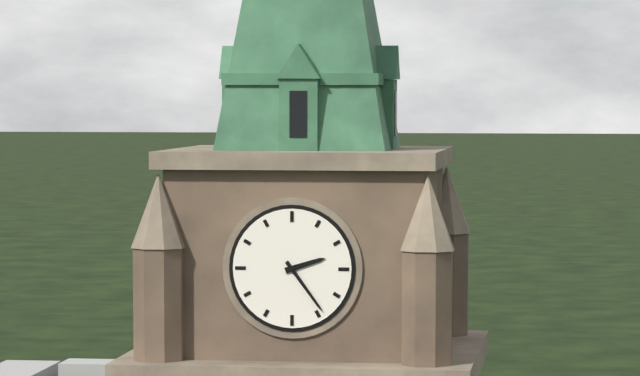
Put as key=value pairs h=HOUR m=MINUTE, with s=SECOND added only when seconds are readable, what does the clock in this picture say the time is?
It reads h=2 m=24
